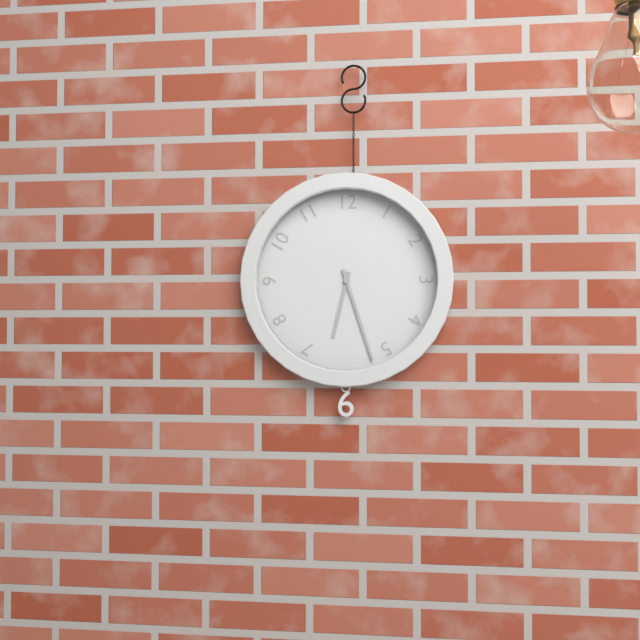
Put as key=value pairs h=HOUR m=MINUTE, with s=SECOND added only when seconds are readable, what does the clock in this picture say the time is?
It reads h=6 m=27
